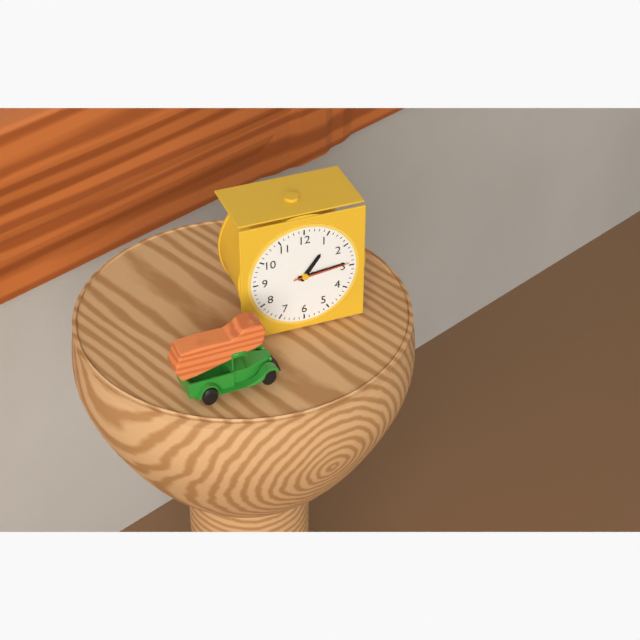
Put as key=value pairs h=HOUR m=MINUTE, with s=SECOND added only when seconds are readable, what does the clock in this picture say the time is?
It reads h=1 m=14 s=14
